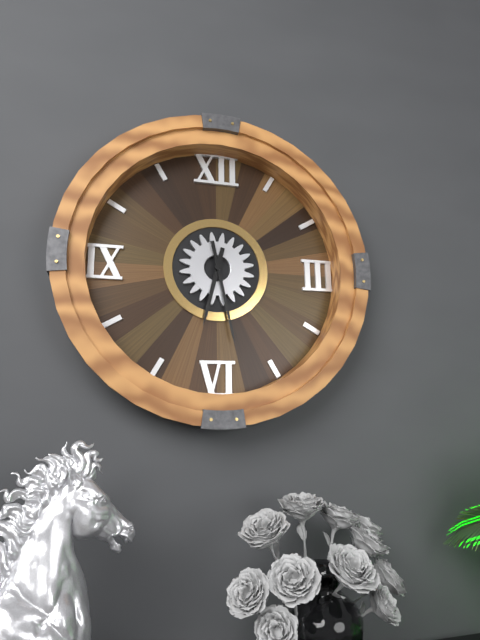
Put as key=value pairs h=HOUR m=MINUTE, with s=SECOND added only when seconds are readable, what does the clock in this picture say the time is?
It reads h=6 m=28
